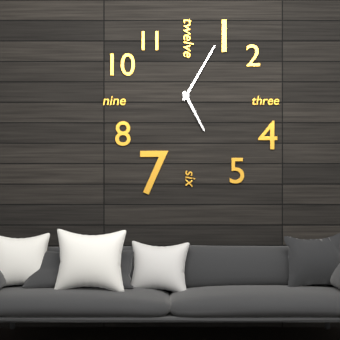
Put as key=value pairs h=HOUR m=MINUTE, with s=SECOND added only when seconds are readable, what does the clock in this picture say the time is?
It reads h=5 m=5
